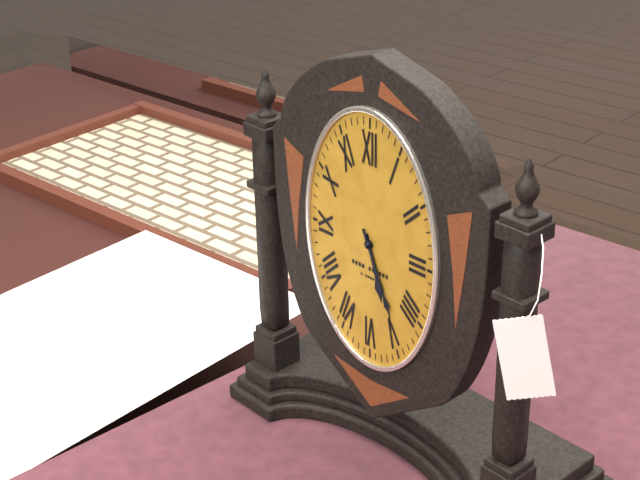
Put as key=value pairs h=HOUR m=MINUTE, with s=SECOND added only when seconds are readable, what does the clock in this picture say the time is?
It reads h=5 m=26
